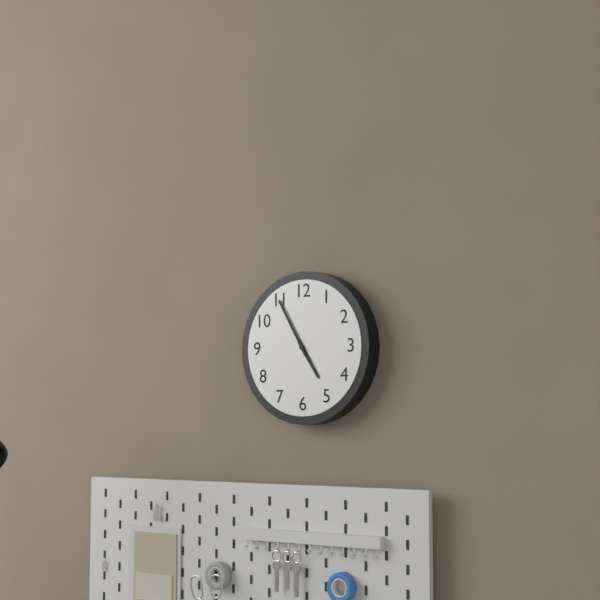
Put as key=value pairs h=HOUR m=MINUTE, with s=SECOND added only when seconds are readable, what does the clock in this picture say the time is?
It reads h=4 m=55
